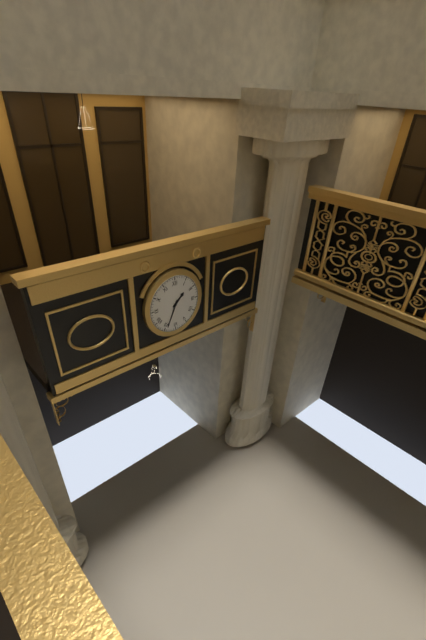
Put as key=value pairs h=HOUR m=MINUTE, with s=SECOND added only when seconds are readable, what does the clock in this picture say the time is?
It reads h=1 m=34
